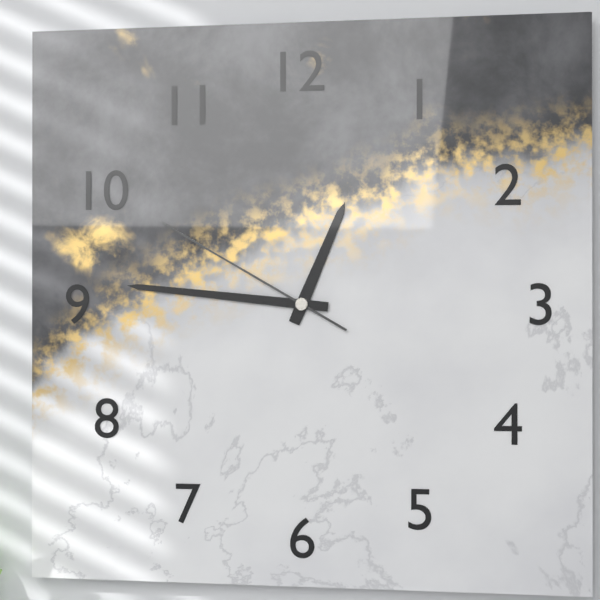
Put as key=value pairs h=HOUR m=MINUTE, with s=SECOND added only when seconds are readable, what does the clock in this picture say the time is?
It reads h=12 m=46 s=50
